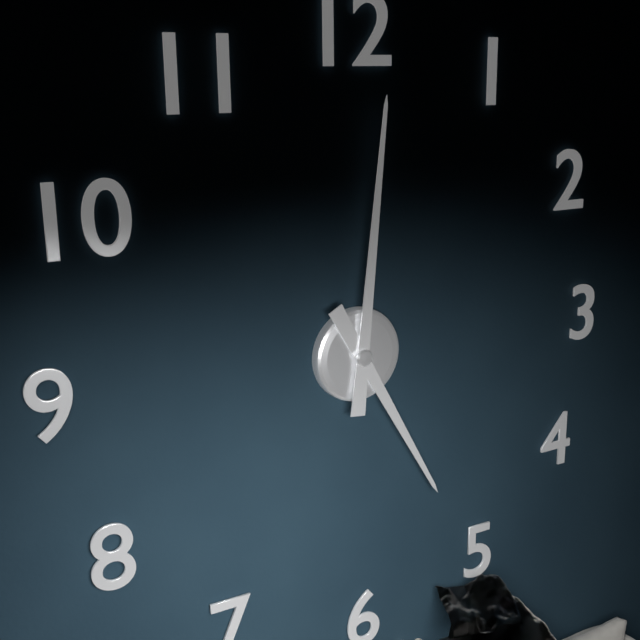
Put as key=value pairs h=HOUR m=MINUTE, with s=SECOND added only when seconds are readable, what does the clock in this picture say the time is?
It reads h=5 m=1
